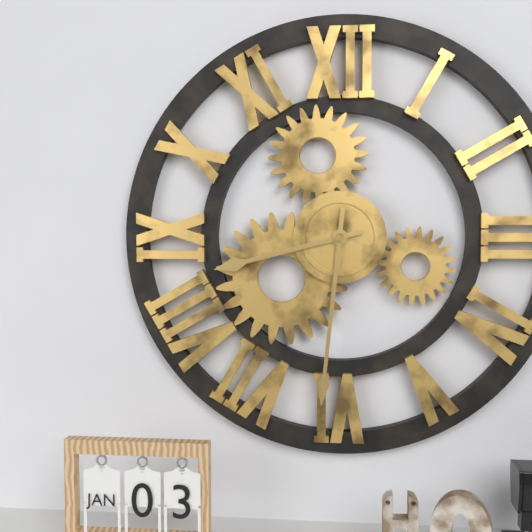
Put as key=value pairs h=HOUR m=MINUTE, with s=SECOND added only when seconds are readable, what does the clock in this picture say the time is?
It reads h=8 m=31
